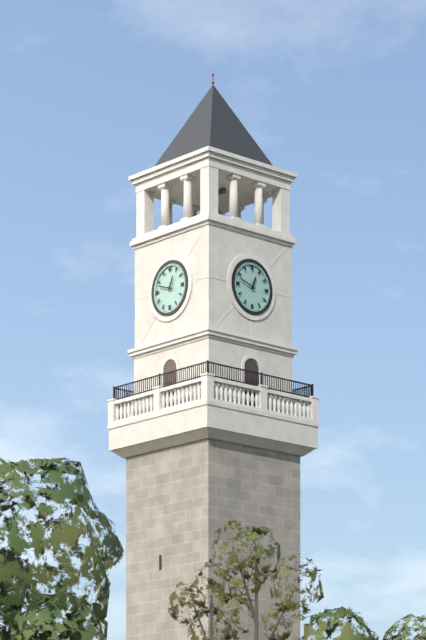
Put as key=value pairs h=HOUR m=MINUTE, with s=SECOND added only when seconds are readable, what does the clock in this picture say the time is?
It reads h=12 m=48
